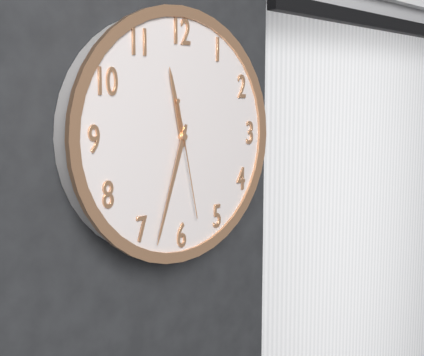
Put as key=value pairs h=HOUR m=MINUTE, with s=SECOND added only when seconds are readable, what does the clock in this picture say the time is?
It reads h=11 m=33 s=28
